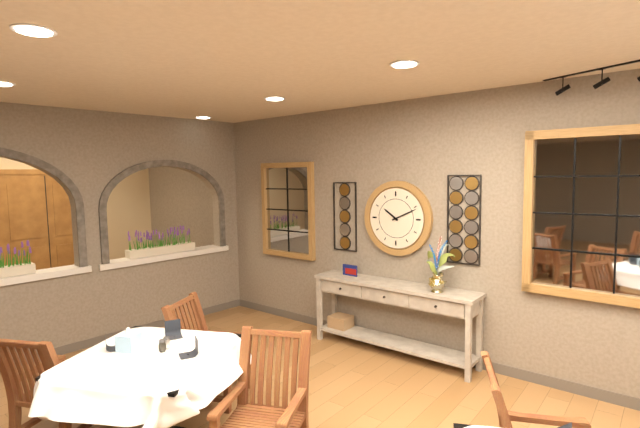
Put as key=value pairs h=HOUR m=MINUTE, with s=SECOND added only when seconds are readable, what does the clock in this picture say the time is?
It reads h=10 m=11
